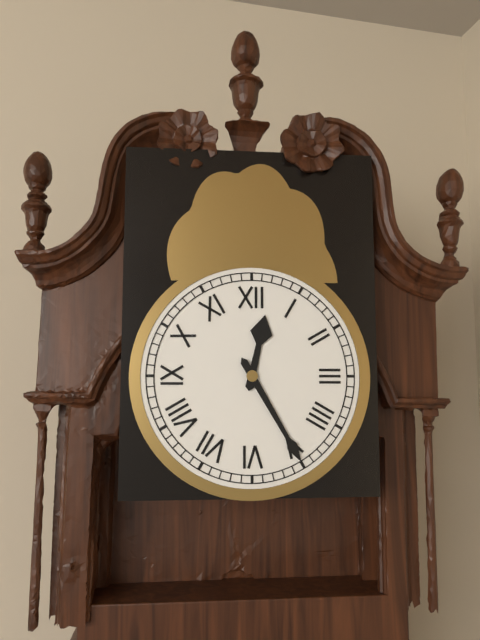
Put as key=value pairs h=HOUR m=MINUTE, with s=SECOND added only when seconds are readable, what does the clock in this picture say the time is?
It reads h=12 m=25
